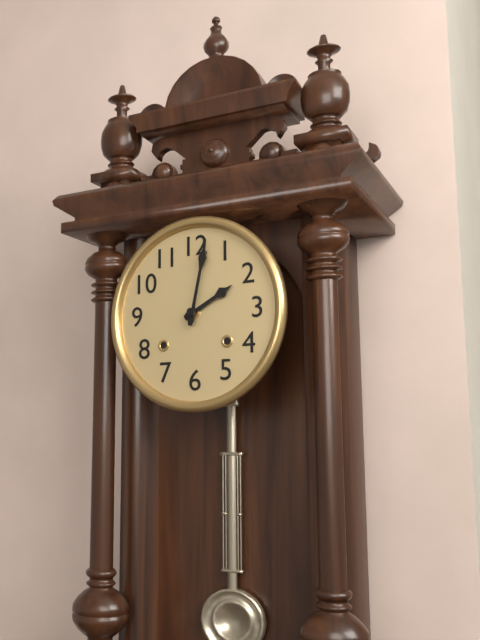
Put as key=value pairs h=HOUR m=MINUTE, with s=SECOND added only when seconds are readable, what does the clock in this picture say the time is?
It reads h=2 m=2
